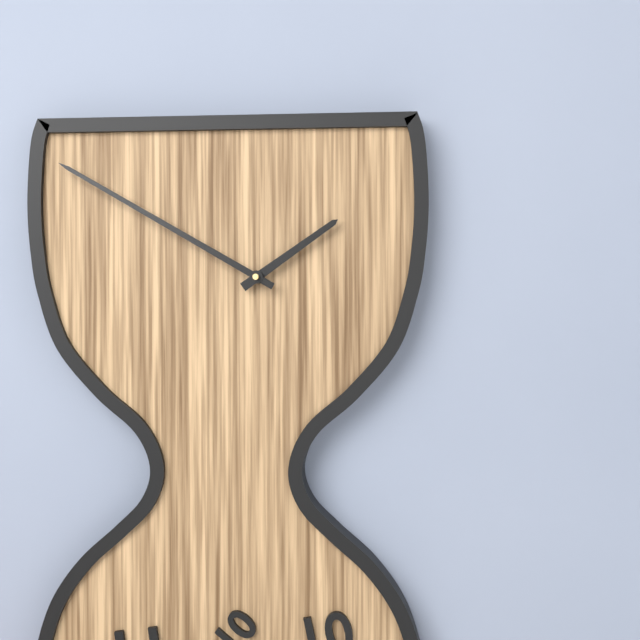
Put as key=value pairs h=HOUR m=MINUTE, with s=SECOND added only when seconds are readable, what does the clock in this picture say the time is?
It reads h=1 m=50
